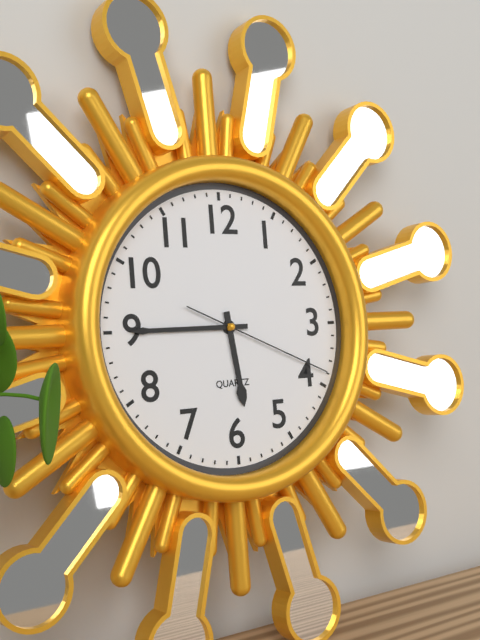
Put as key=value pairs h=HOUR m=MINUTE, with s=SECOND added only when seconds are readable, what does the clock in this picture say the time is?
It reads h=5 m=45 s=19
